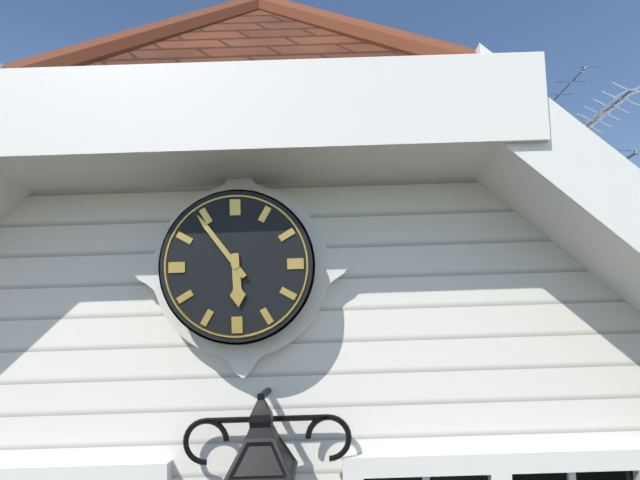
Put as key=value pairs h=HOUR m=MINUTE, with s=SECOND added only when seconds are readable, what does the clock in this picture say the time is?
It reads h=5 m=54
